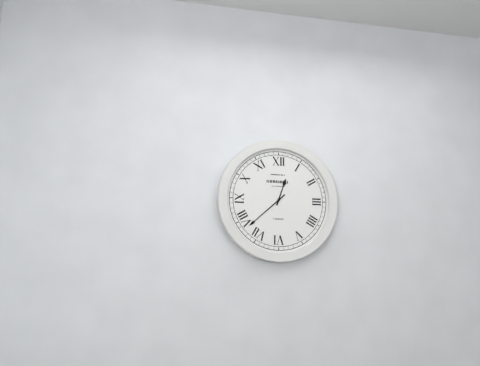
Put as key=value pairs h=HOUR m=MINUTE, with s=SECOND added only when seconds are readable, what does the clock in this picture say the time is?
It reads h=12 m=38
